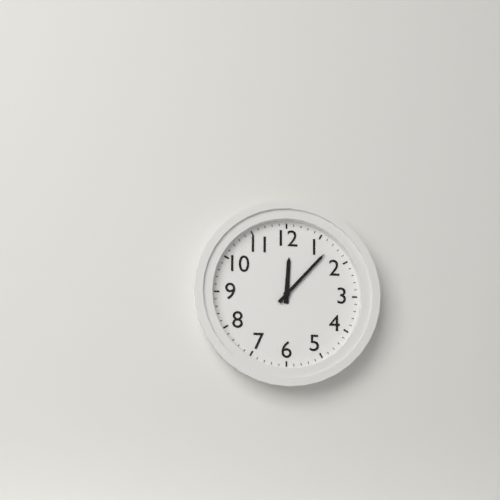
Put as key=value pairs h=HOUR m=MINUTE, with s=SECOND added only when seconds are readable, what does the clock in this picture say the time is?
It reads h=12 m=7
